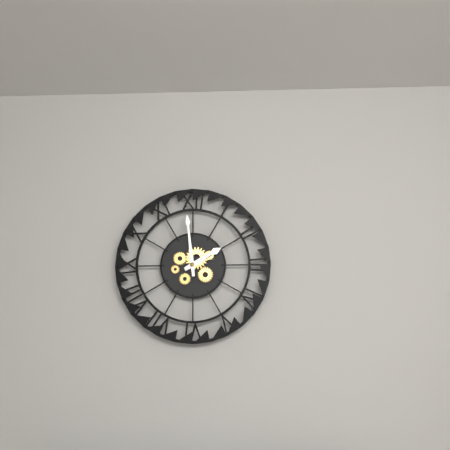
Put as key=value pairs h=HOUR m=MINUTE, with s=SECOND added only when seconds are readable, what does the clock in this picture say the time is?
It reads h=1 m=59
